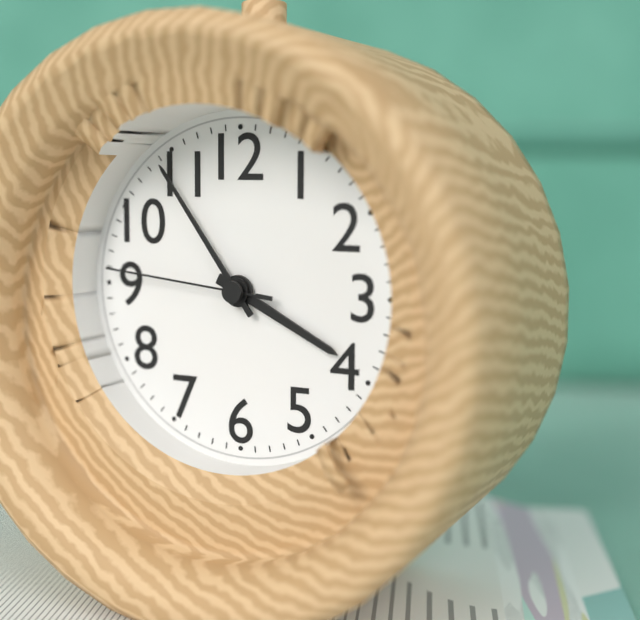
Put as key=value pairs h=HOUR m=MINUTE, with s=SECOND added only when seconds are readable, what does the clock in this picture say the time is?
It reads h=3 m=54 s=46
